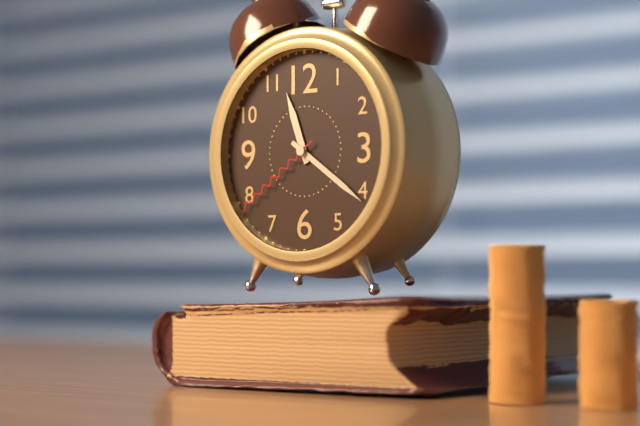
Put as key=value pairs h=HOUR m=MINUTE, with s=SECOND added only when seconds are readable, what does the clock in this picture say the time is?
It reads h=11 m=21 s=39
